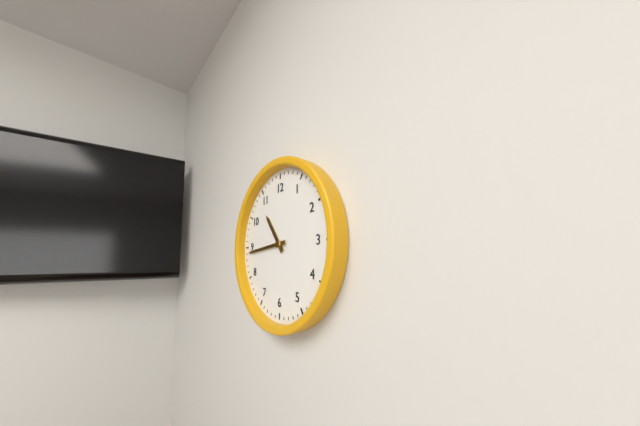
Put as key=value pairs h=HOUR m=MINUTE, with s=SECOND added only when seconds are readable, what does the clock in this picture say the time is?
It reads h=10 m=44
